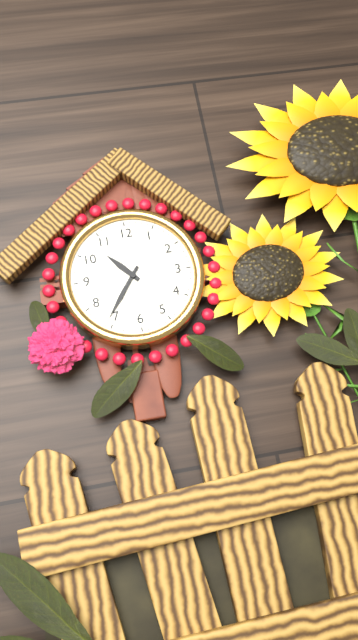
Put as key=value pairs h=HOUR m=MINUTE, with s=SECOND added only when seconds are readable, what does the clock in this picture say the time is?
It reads h=10 m=36
